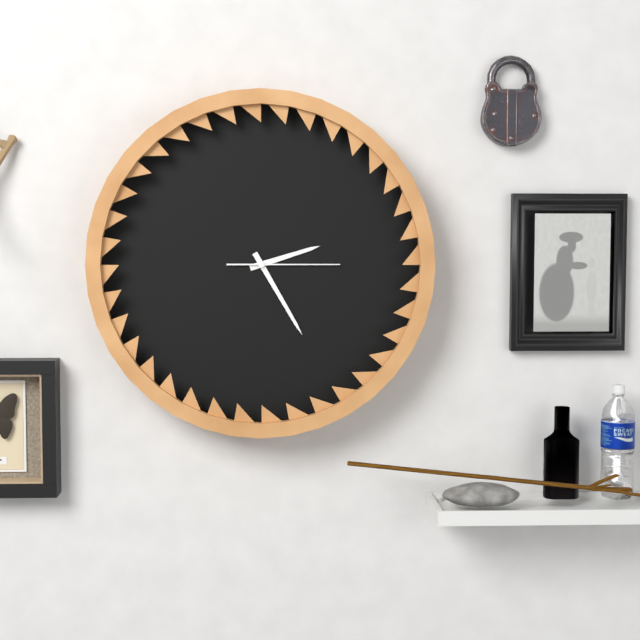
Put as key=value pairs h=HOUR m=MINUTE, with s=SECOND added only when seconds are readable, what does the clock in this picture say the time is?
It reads h=2 m=25 s=15
